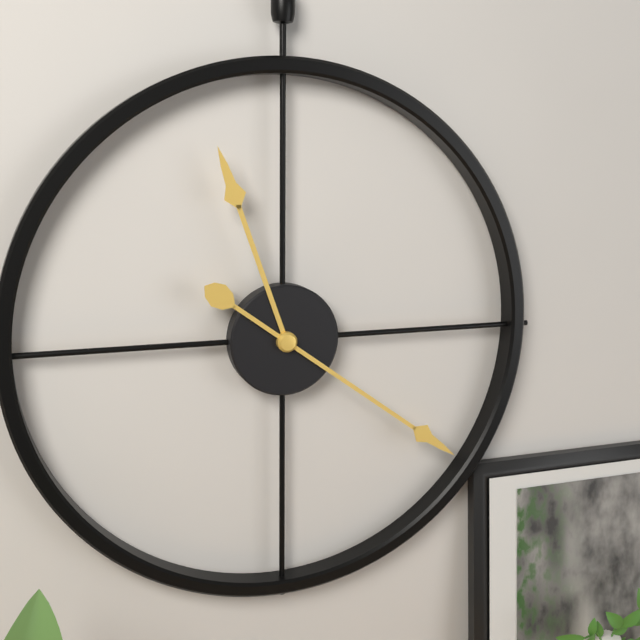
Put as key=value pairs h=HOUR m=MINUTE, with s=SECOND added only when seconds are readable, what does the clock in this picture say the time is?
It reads h=11 m=21
